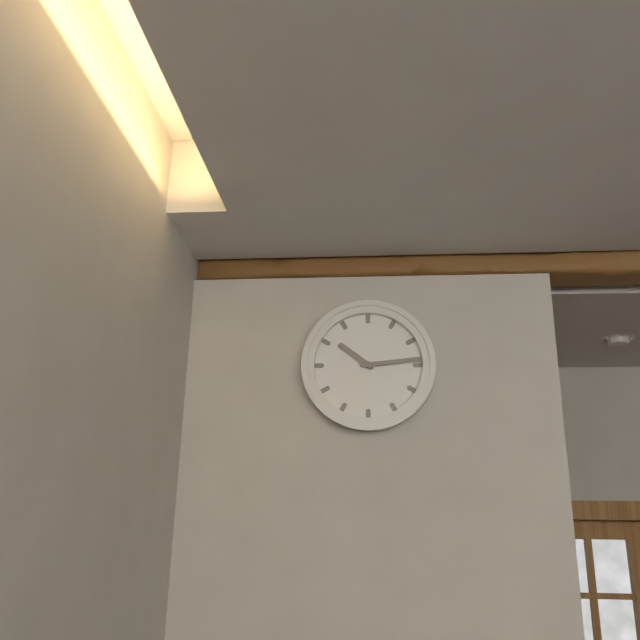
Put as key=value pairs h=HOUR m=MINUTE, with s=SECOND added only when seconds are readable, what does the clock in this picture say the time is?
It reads h=10 m=14
